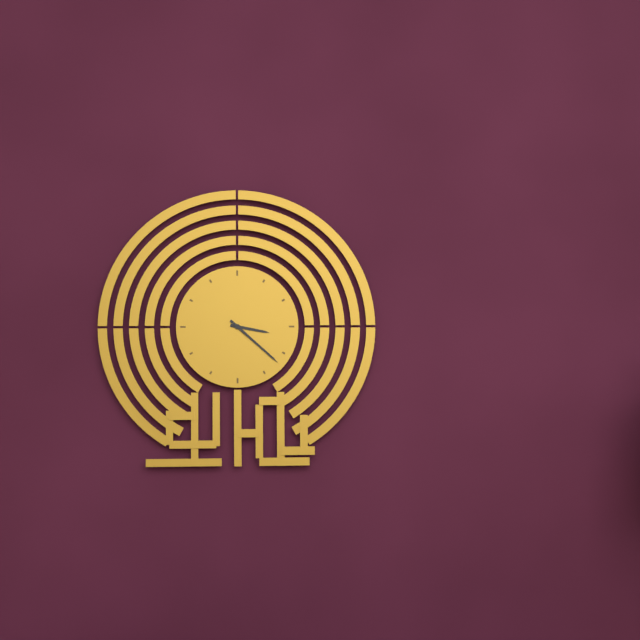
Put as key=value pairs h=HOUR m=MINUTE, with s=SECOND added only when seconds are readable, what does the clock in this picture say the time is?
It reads h=3 m=22
